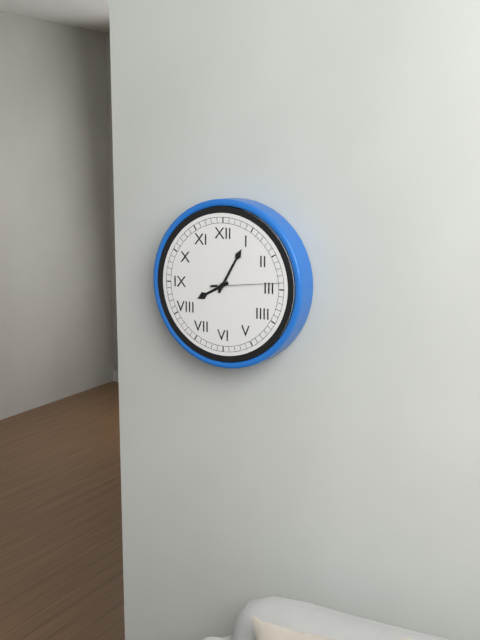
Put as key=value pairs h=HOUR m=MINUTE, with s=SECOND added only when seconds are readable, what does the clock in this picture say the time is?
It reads h=8 m=5 s=14
